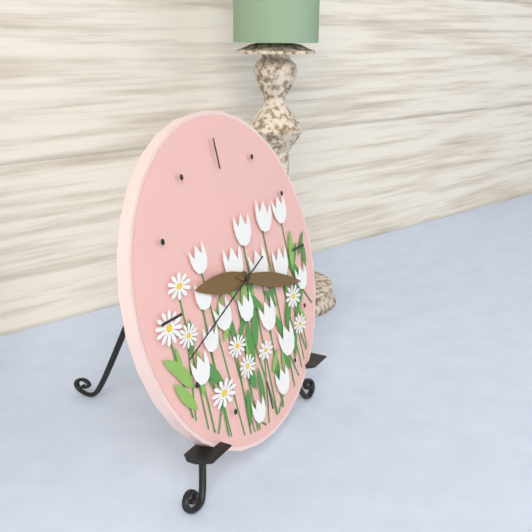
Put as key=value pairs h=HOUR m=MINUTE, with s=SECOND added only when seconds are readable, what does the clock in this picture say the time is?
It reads h=9 m=18 s=42
